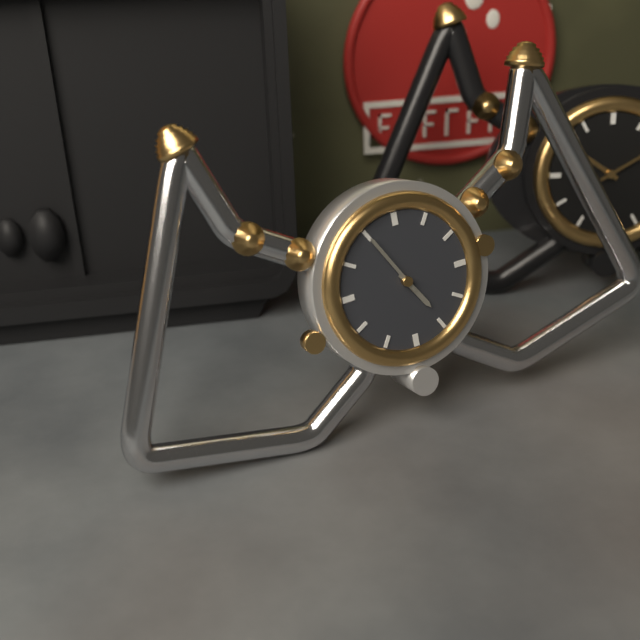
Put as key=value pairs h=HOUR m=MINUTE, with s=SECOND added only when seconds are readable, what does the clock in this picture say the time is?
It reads h=4 m=55
